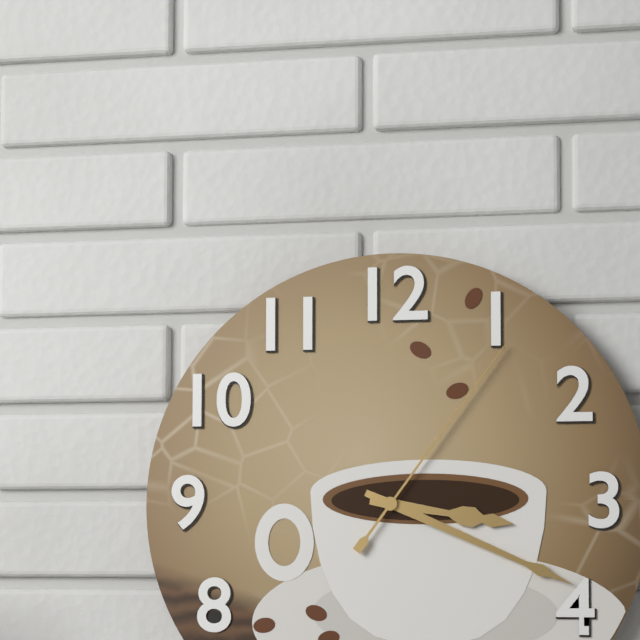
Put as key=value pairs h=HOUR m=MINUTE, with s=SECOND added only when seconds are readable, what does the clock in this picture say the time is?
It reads h=3 m=19 s=6
